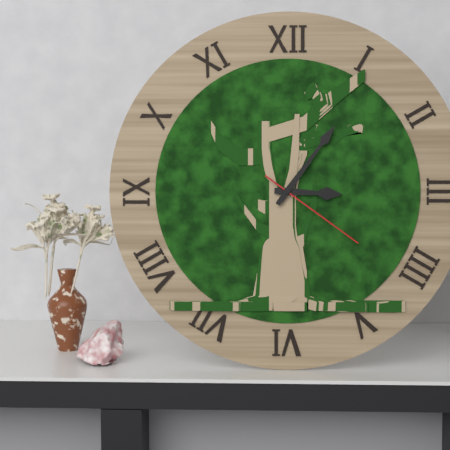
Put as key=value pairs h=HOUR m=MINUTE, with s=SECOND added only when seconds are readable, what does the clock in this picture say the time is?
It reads h=3 m=6 s=21
